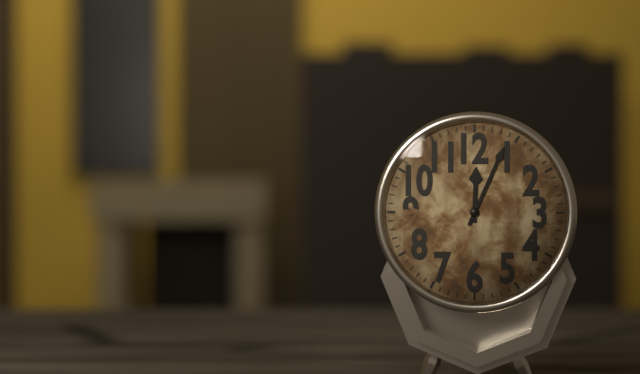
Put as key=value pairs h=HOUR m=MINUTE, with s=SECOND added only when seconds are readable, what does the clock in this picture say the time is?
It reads h=12 m=4
